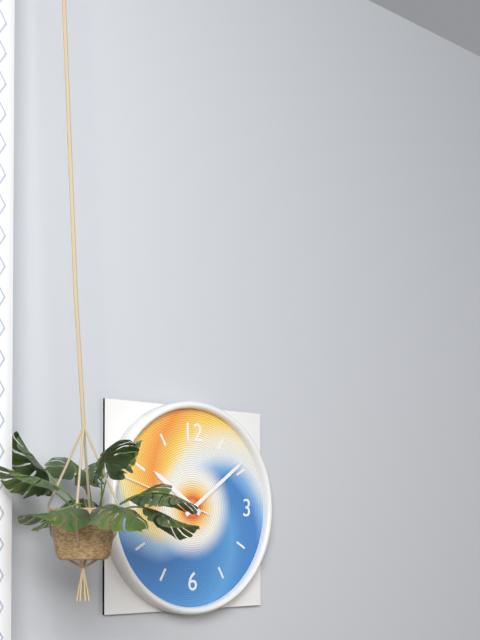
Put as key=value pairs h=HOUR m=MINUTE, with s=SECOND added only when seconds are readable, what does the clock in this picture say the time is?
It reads h=10 m=9 s=48
